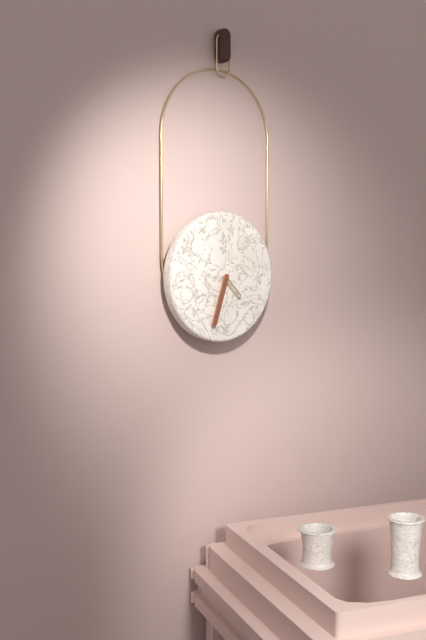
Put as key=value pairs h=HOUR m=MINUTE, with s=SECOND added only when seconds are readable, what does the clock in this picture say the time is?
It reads h=4 m=33
